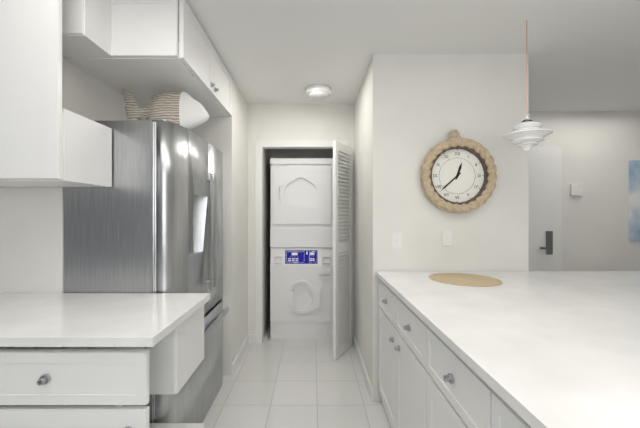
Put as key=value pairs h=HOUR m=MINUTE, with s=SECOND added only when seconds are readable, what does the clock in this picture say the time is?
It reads h=12 m=38
